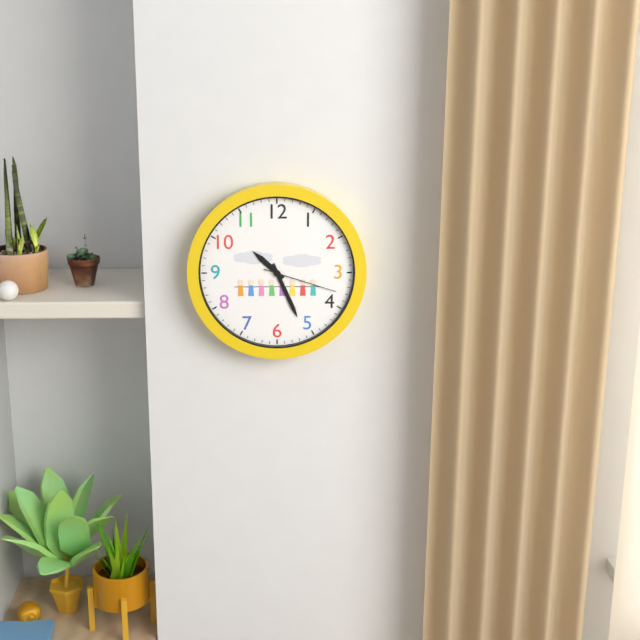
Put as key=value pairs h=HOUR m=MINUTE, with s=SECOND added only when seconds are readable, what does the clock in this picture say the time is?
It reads h=10 m=26 s=18
